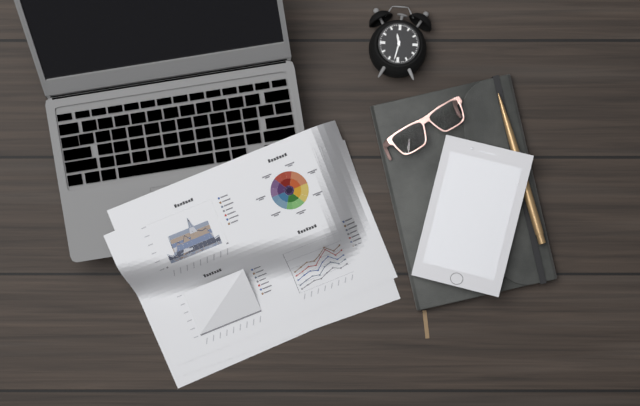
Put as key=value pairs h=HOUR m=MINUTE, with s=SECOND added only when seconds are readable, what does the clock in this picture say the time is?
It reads h=11 m=32
